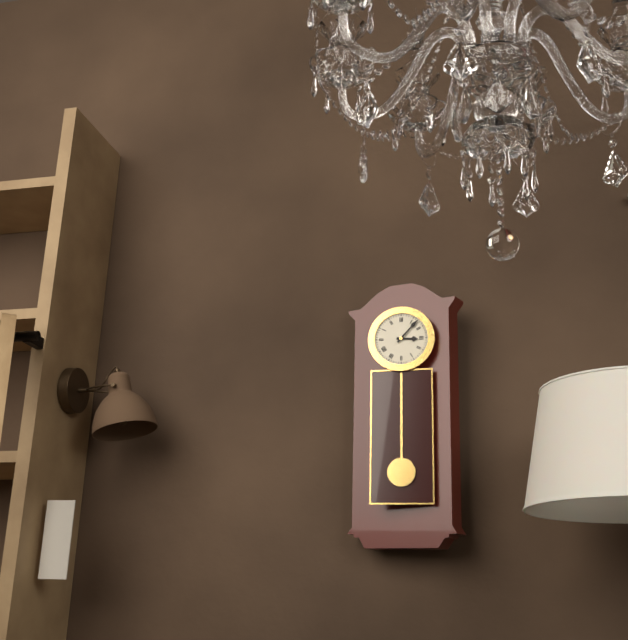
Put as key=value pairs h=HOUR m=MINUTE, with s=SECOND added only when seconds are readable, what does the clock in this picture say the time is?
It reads h=3 m=7
